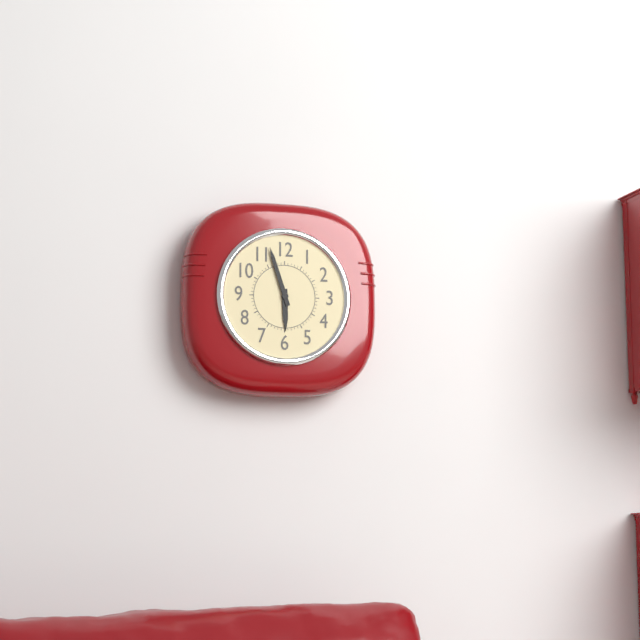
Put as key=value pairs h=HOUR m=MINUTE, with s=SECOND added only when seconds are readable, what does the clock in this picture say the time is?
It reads h=5 m=57
